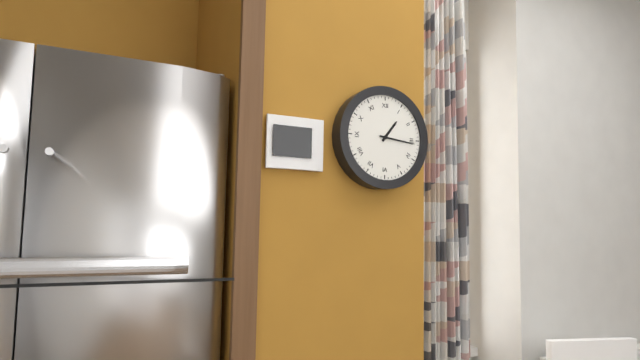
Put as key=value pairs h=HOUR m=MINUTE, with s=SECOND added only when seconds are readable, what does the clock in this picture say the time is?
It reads h=1 m=16
